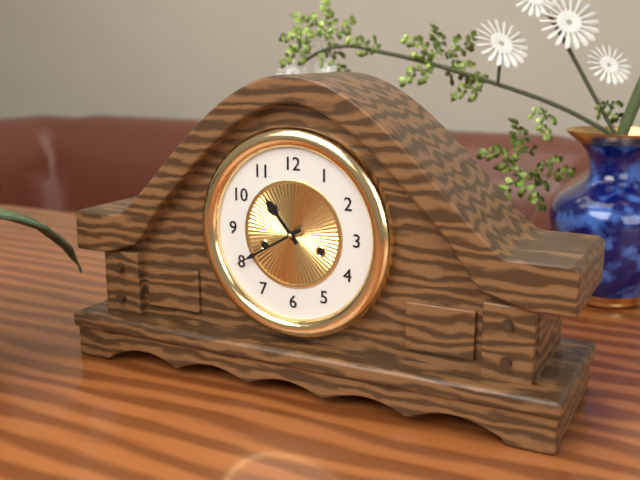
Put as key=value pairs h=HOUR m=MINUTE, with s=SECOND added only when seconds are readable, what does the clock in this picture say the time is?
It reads h=10 m=40
